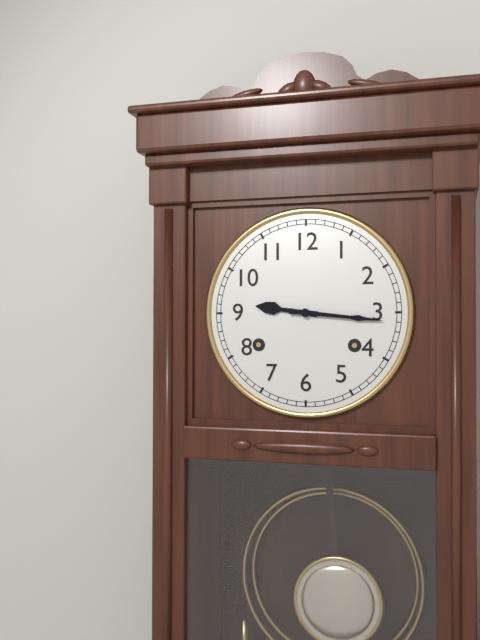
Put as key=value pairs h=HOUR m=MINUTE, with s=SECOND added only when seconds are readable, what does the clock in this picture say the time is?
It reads h=9 m=16
